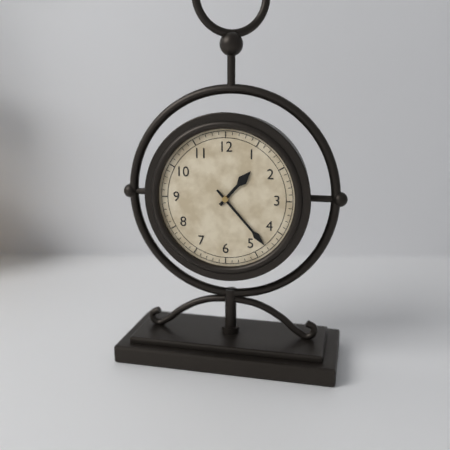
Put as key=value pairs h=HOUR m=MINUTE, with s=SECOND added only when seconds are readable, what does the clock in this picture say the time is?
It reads h=1 m=23
